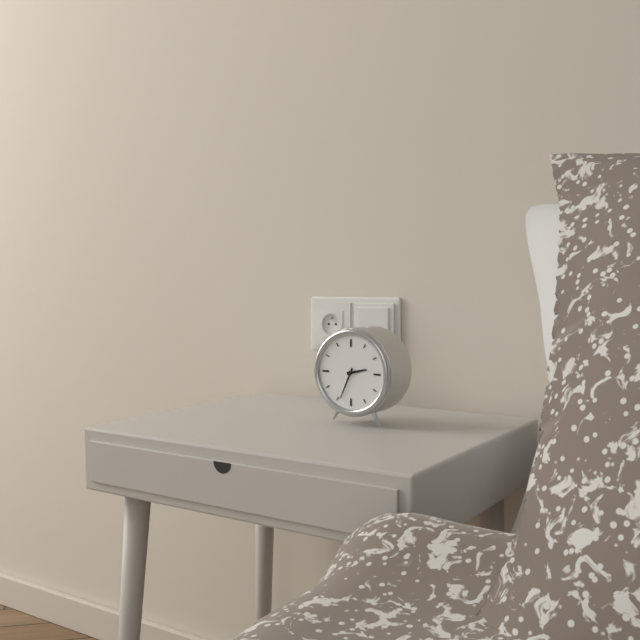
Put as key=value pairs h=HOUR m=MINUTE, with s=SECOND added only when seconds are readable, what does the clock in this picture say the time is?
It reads h=2 m=34
